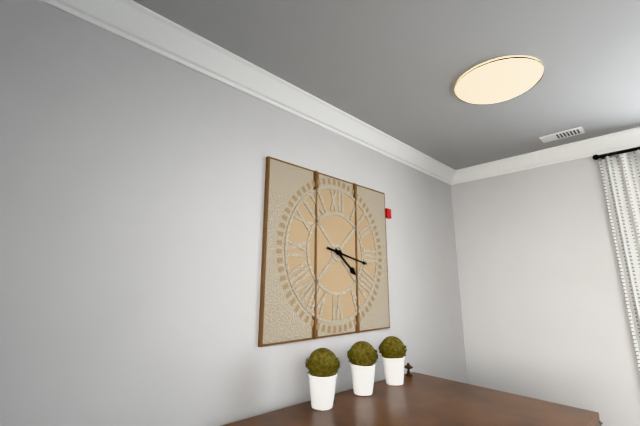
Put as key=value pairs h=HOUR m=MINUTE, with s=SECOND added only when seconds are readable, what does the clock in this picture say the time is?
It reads h=4 m=17
